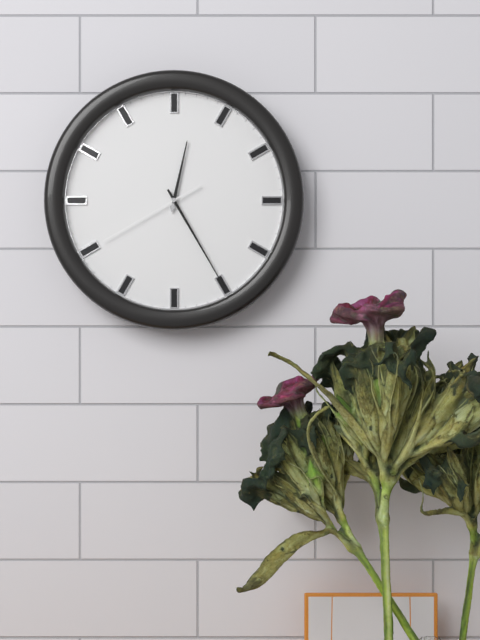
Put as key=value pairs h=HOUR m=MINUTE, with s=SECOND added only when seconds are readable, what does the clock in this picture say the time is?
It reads h=12 m=25 s=40
